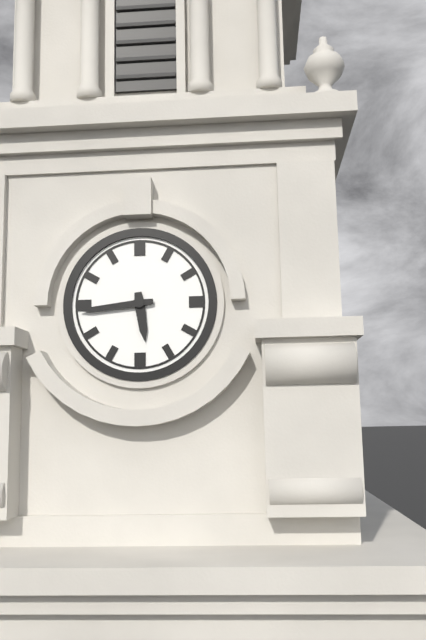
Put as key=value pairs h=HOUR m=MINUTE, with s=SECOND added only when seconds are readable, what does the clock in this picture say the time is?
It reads h=5 m=44
